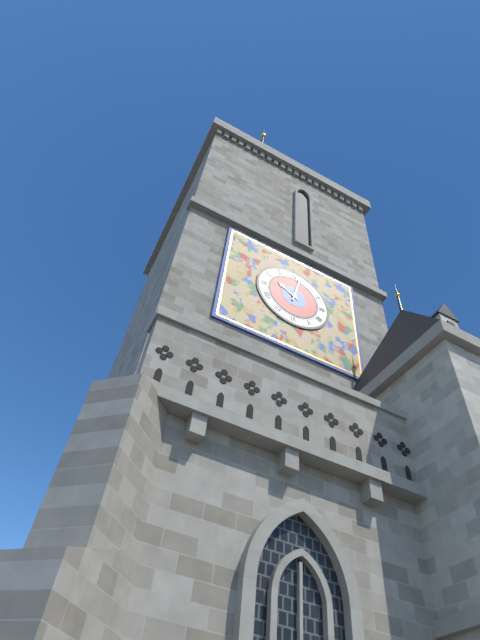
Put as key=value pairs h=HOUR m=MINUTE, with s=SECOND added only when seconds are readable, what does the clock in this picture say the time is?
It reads h=10 m=2
